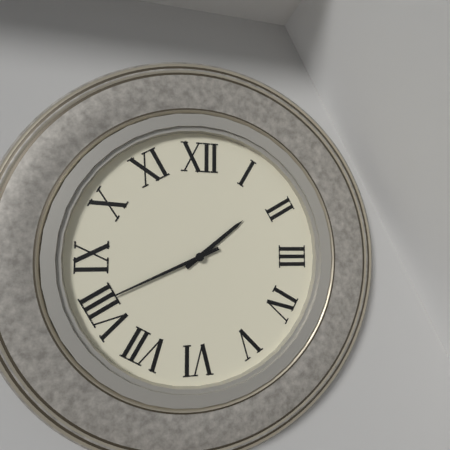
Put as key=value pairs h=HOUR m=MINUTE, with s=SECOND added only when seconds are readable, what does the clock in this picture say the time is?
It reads h=1 m=41
